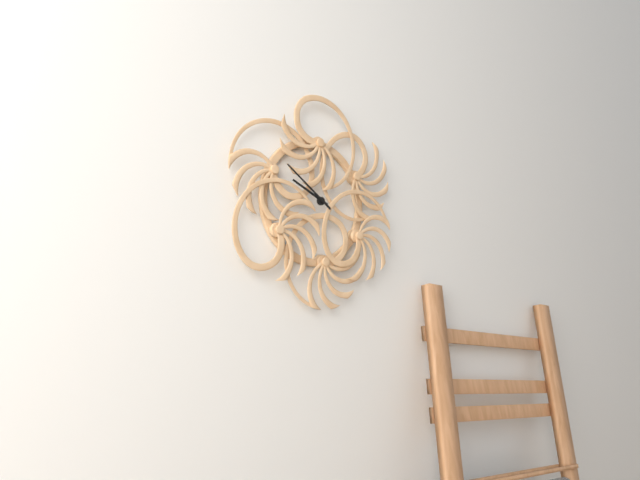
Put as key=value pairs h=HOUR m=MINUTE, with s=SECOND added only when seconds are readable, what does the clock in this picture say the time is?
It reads h=9 m=51
